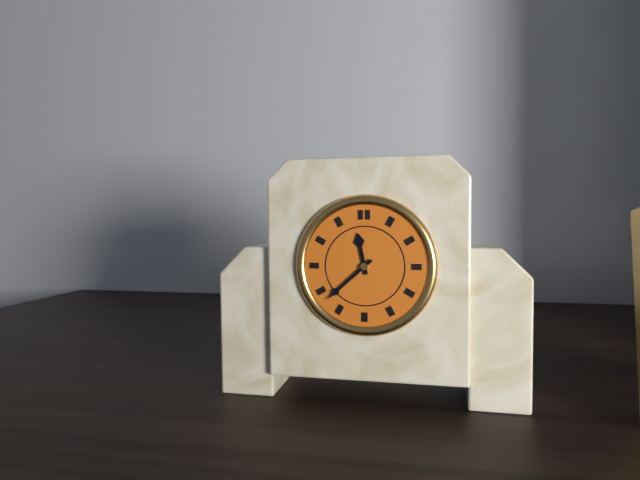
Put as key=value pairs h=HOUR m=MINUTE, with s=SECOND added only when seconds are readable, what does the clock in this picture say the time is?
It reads h=11 m=38
